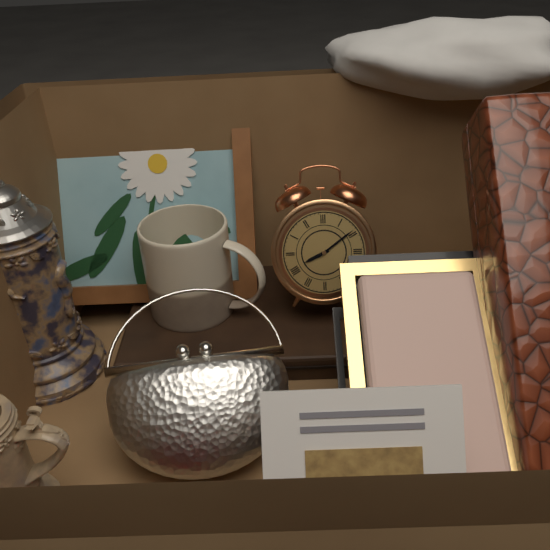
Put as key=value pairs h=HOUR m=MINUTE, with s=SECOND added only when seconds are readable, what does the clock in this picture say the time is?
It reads h=8 m=9
